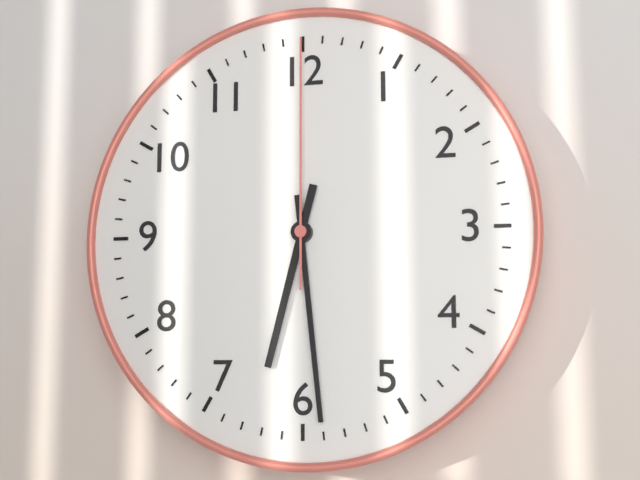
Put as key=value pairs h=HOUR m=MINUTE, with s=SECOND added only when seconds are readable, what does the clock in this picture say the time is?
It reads h=6 m=29 s=0
